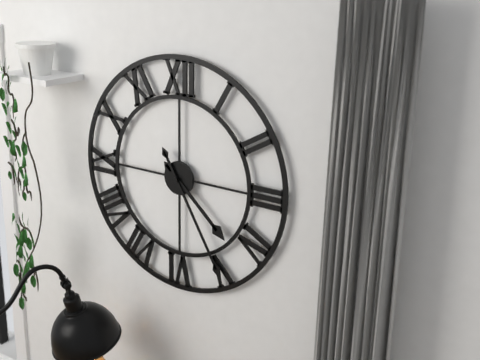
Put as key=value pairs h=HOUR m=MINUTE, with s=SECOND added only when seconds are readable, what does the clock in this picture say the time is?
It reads h=4 m=25
